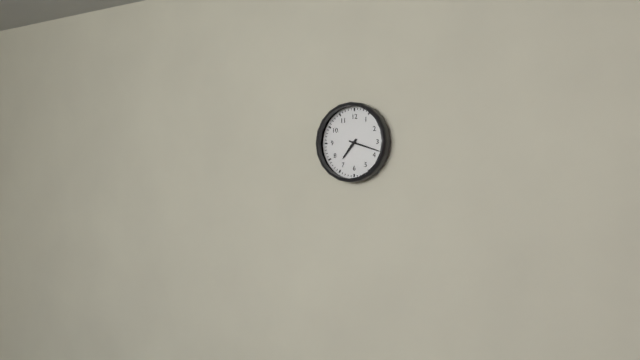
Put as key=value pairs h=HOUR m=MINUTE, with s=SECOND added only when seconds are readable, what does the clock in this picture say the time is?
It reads h=7 m=18
